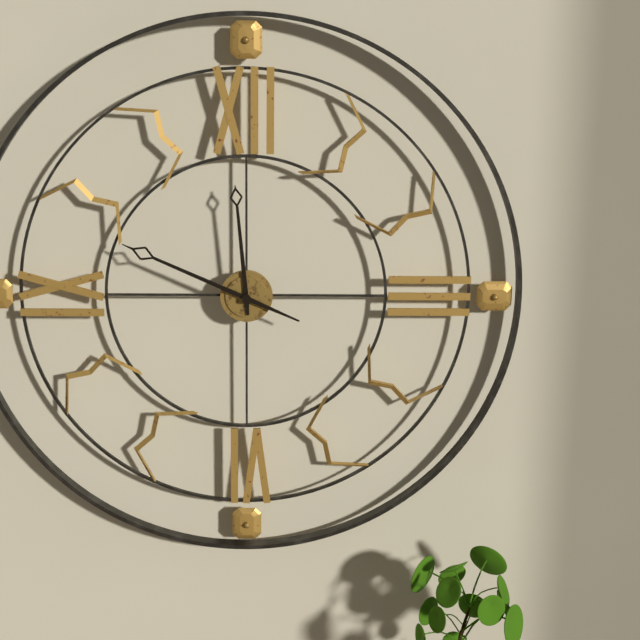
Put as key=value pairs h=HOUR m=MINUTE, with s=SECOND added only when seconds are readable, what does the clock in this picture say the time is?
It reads h=11 m=49
